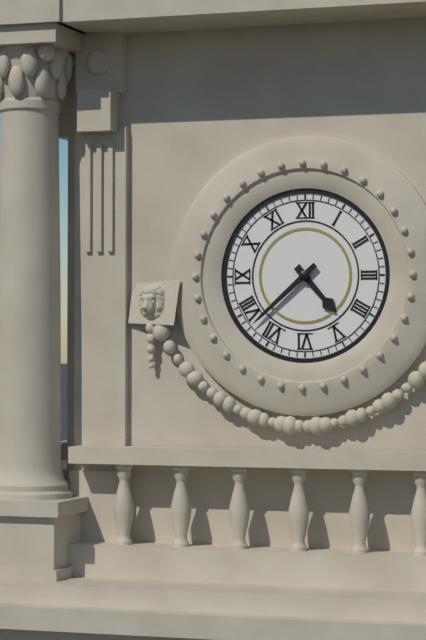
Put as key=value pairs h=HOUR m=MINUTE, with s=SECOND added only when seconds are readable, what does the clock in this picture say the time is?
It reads h=4 m=38
